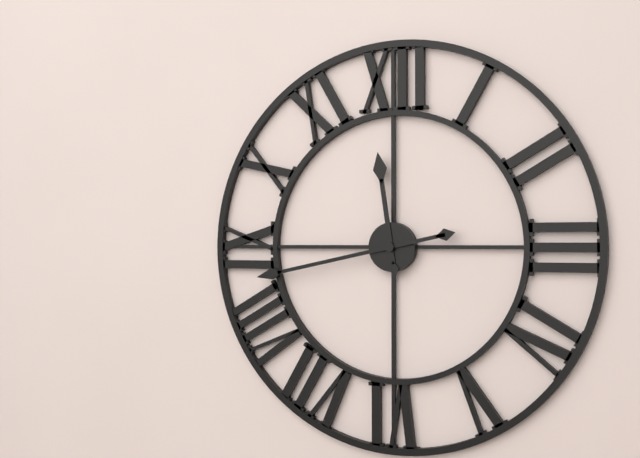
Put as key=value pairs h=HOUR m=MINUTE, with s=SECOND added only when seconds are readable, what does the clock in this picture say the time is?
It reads h=11 m=43
